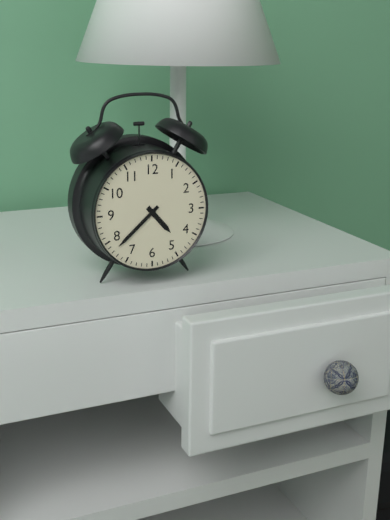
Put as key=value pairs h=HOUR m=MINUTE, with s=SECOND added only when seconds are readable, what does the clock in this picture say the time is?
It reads h=4 m=38
